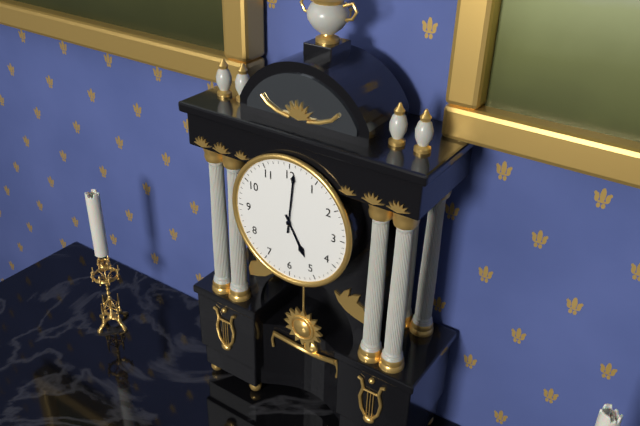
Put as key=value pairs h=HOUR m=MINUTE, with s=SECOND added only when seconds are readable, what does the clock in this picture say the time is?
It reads h=5 m=1
